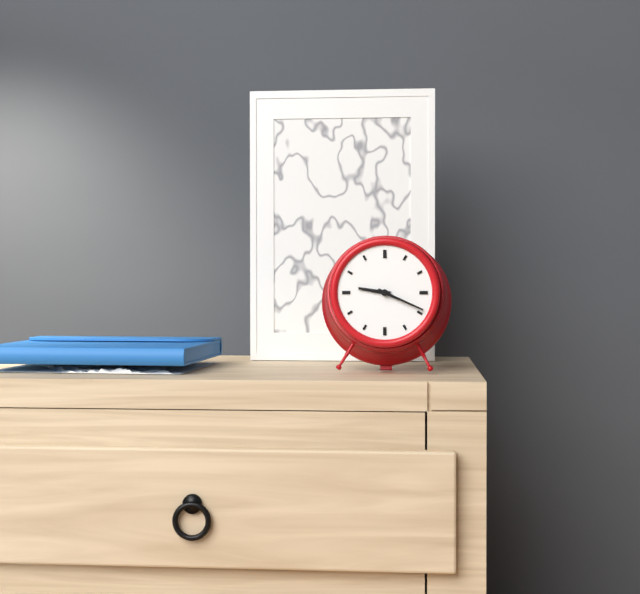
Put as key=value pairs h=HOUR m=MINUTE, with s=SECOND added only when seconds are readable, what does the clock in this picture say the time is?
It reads h=9 m=19
